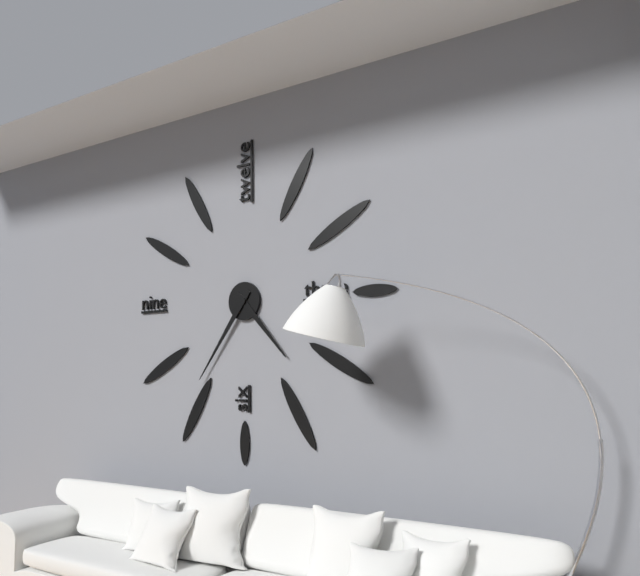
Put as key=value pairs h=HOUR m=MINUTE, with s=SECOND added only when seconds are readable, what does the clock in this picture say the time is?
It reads h=4 m=36
